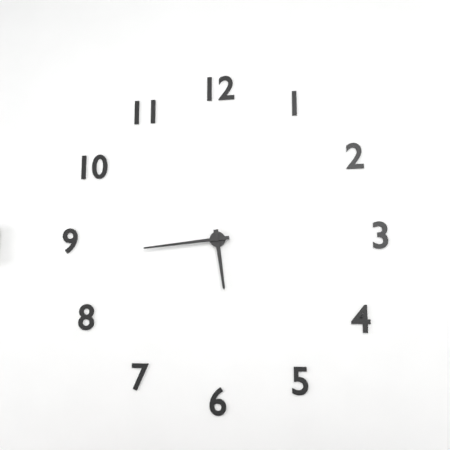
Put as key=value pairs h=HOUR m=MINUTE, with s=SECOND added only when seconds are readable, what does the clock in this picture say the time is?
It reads h=5 m=44
